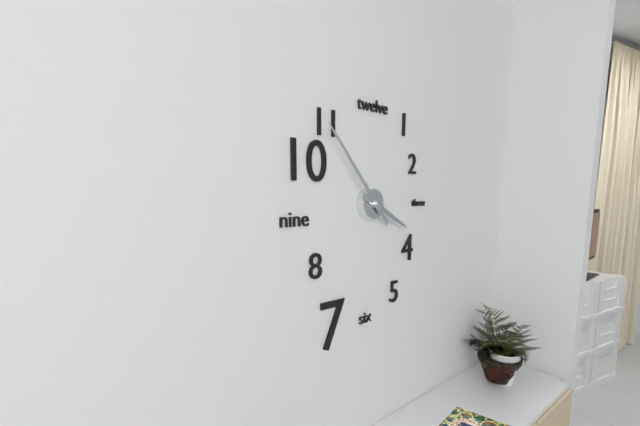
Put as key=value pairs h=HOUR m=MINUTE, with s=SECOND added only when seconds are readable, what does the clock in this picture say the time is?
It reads h=3 m=53
